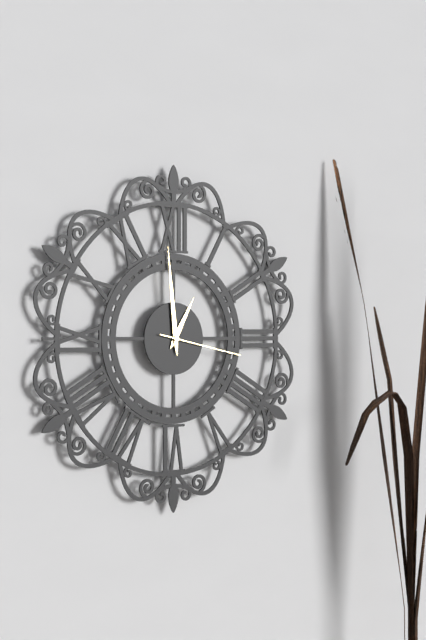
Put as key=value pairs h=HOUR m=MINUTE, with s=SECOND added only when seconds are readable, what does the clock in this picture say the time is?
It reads h=12 m=59 s=17
